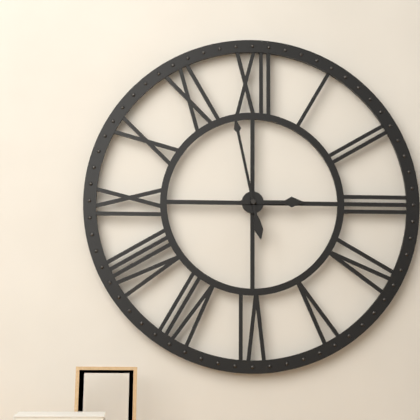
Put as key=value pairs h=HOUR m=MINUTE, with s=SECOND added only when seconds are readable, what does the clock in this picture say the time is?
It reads h=2 m=58
